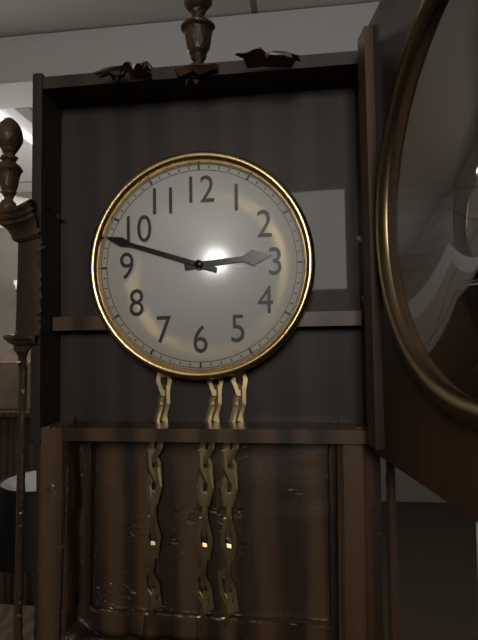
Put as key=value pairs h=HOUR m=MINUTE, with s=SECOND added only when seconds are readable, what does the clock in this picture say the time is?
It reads h=2 m=48
